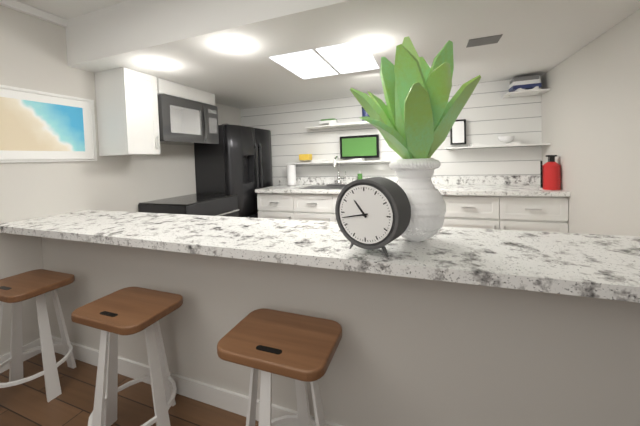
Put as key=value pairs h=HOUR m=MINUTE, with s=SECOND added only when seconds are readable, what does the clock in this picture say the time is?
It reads h=10 m=43
